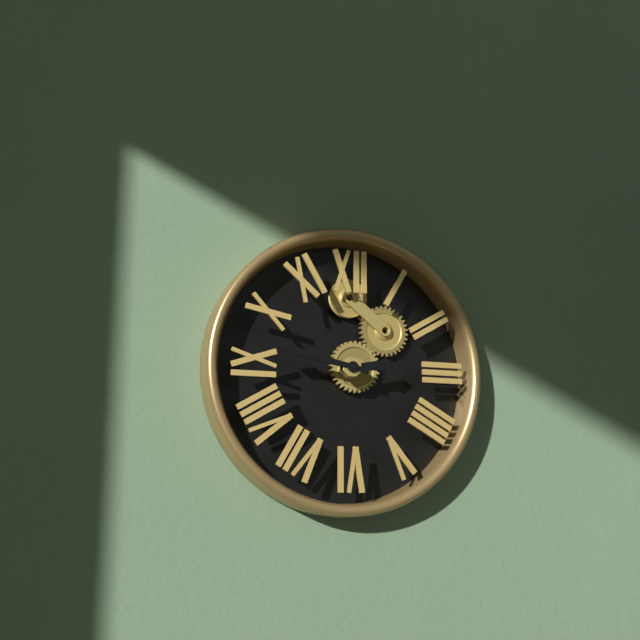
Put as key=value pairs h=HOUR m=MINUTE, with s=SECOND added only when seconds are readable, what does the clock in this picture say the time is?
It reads h=2 m=47
